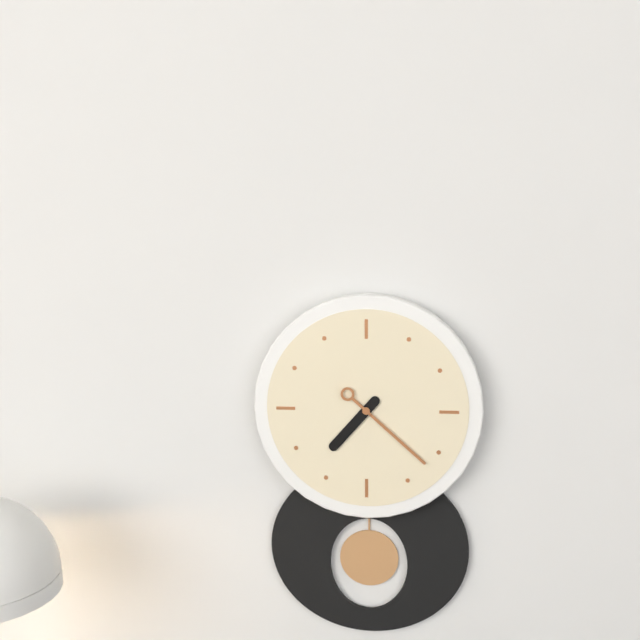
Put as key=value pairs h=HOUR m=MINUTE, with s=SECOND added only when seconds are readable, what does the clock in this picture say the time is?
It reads h=7 m=22
